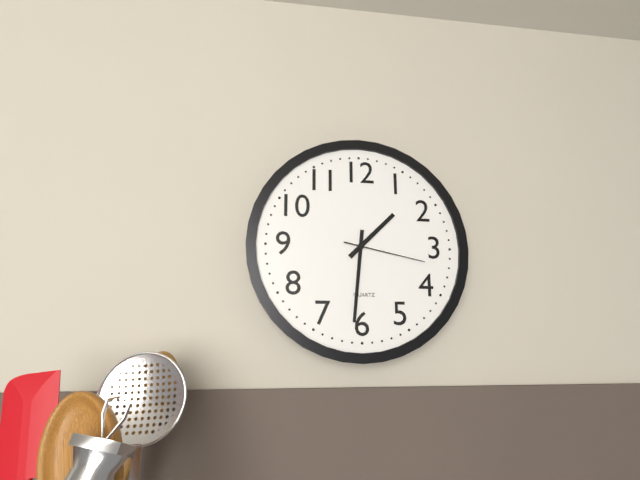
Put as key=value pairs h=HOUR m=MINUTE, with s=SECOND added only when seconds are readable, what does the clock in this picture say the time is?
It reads h=1 m=31 s=17
